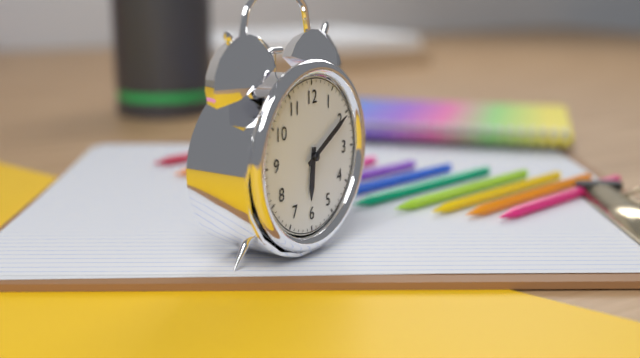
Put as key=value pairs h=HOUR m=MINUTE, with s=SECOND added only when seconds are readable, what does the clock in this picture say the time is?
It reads h=6 m=10
